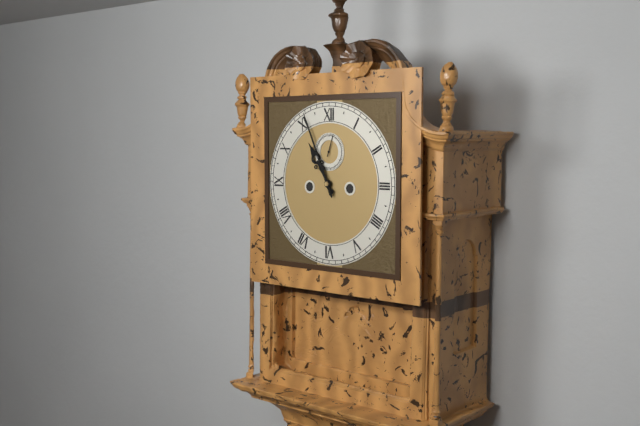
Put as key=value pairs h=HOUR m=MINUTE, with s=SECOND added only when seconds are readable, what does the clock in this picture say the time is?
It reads h=10 m=56
